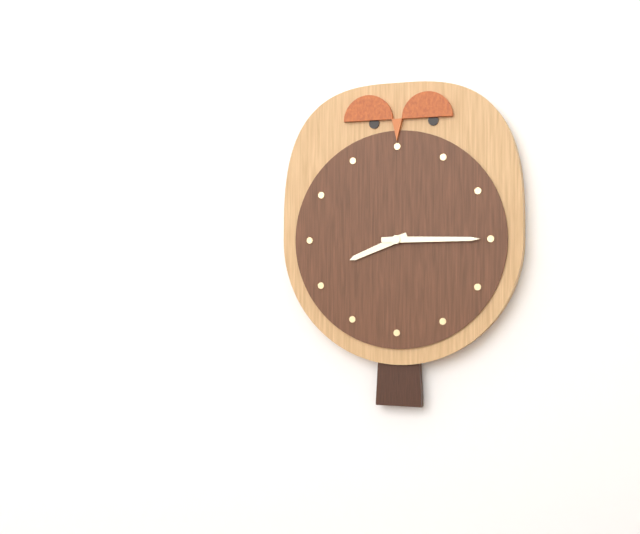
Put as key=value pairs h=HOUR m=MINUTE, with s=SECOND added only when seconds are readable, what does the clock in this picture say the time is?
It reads h=8 m=15
